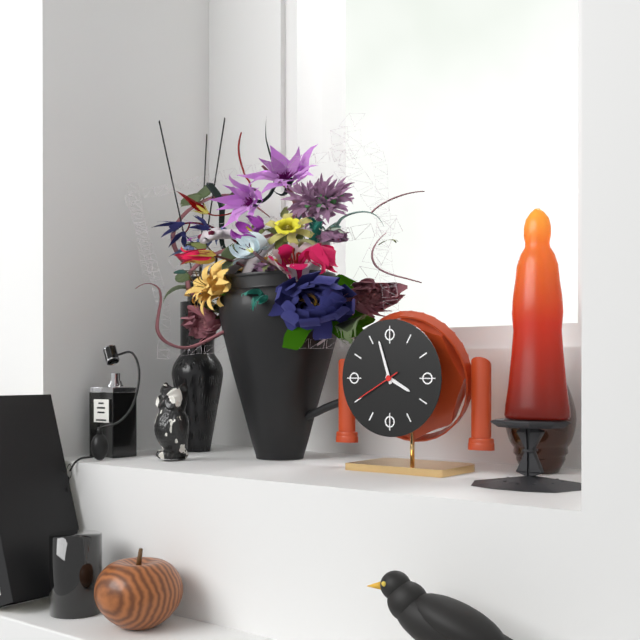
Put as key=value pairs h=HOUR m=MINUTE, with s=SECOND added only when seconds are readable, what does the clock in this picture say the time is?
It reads h=3 m=57
